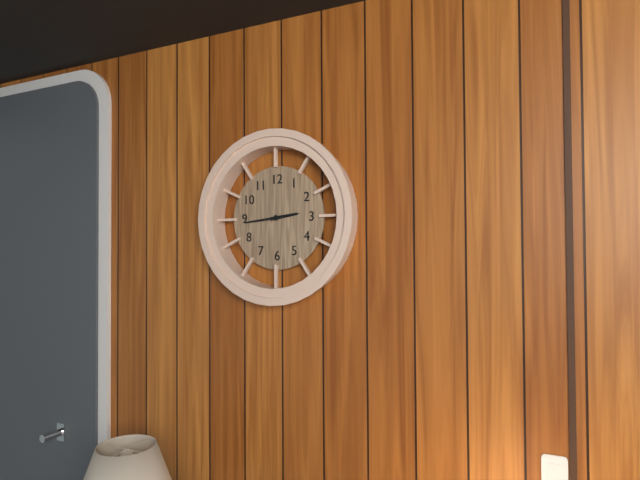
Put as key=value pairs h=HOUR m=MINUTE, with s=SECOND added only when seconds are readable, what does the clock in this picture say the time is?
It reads h=2 m=44
